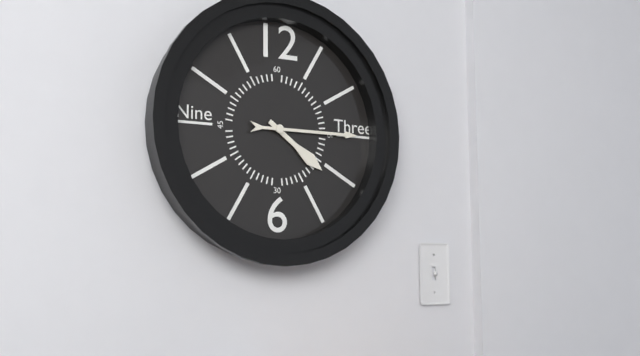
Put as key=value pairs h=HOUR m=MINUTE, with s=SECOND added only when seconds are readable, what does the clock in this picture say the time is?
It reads h=4 m=15
